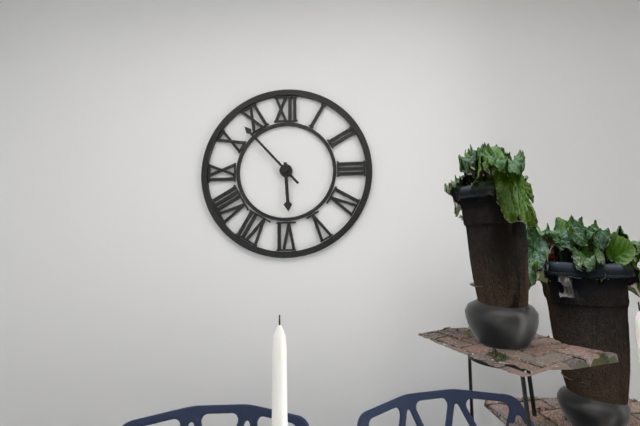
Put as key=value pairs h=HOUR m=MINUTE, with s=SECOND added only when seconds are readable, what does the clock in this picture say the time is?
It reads h=5 m=53
